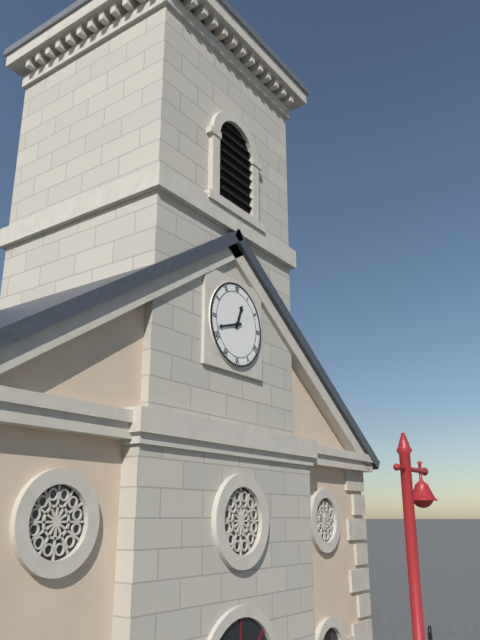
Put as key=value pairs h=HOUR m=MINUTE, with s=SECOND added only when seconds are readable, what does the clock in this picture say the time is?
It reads h=12 m=42
